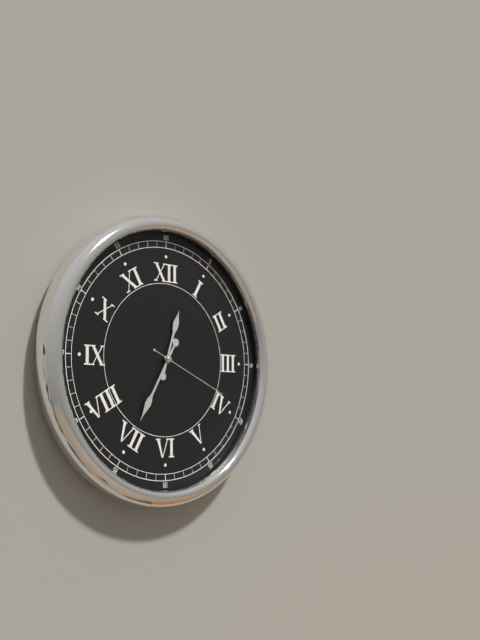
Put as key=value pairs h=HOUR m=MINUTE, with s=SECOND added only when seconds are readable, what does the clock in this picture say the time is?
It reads h=12 m=35 s=19
